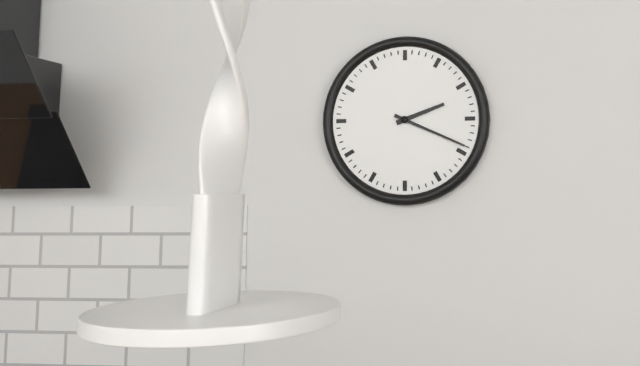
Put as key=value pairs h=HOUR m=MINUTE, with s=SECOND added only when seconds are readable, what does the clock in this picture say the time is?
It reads h=2 m=19
